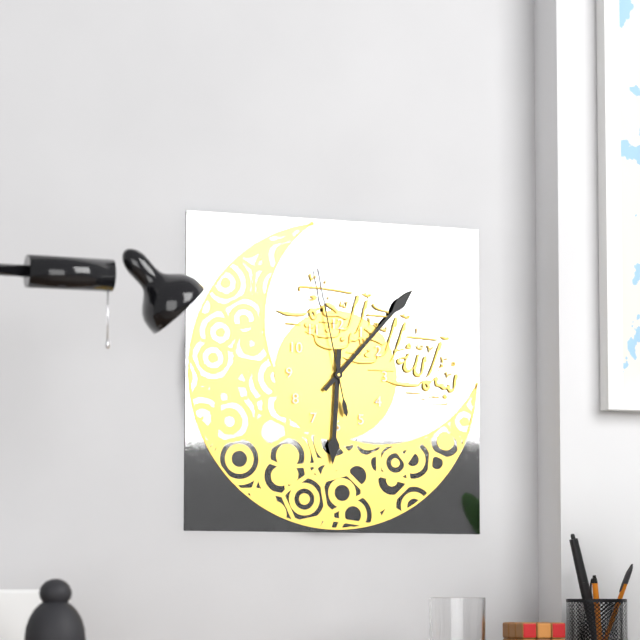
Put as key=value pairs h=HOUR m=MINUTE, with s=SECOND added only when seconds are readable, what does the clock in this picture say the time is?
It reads h=6 m=7 s=58
